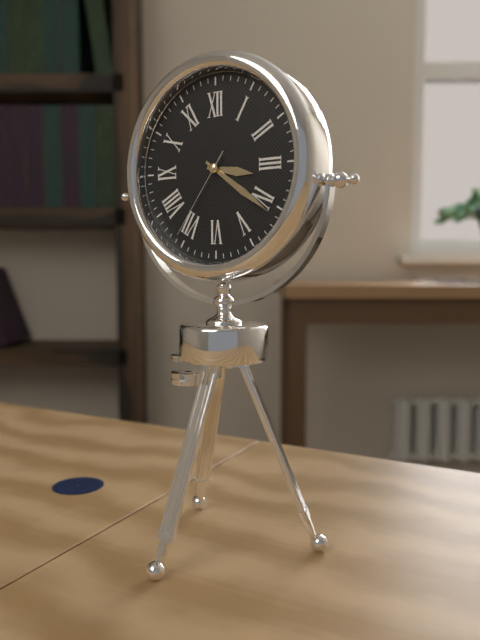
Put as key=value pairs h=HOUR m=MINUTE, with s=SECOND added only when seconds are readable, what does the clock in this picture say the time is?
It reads h=3 m=21 s=36
